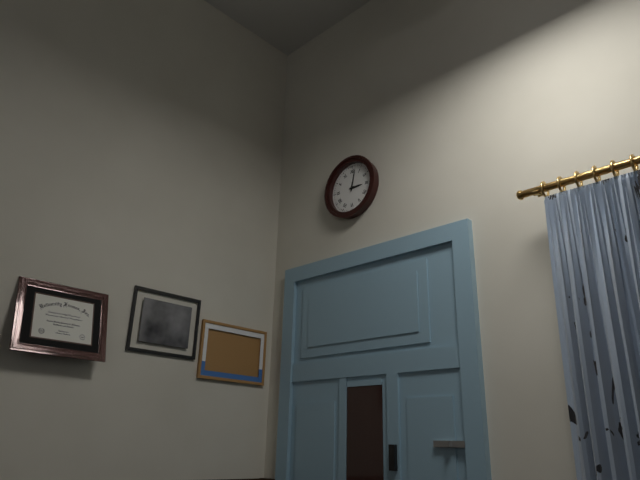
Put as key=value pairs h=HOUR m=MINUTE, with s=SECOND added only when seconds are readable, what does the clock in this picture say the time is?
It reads h=3 m=2
